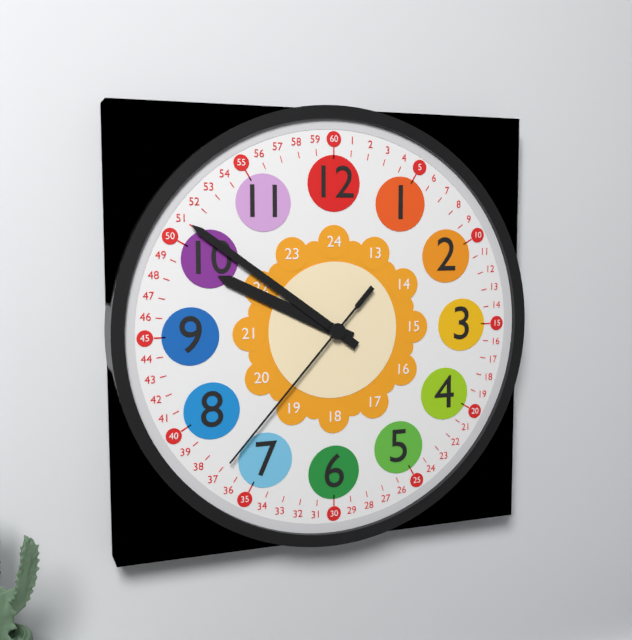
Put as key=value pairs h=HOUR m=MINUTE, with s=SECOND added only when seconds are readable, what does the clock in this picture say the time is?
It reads h=9 m=51 s=37
